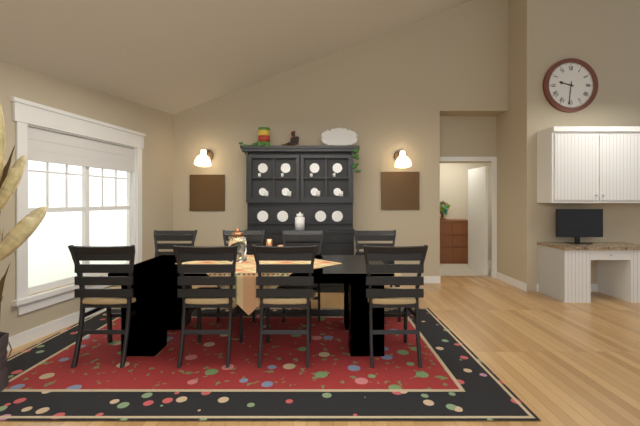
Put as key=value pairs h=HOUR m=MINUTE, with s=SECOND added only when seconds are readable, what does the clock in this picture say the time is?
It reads h=9 m=31
